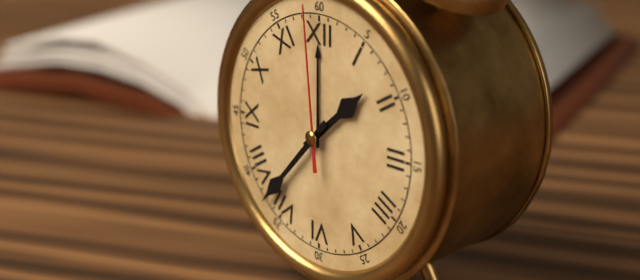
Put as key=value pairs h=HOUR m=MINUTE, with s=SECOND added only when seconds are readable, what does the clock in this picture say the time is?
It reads h=1 m=37 s=59
